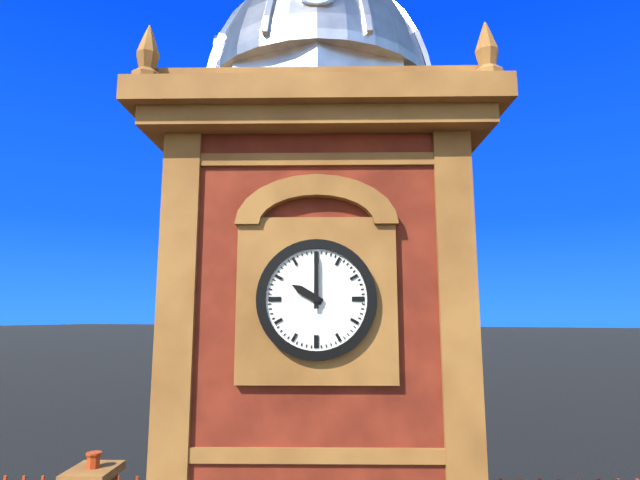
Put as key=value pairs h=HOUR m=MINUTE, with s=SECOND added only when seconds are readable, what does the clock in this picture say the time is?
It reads h=10 m=0
